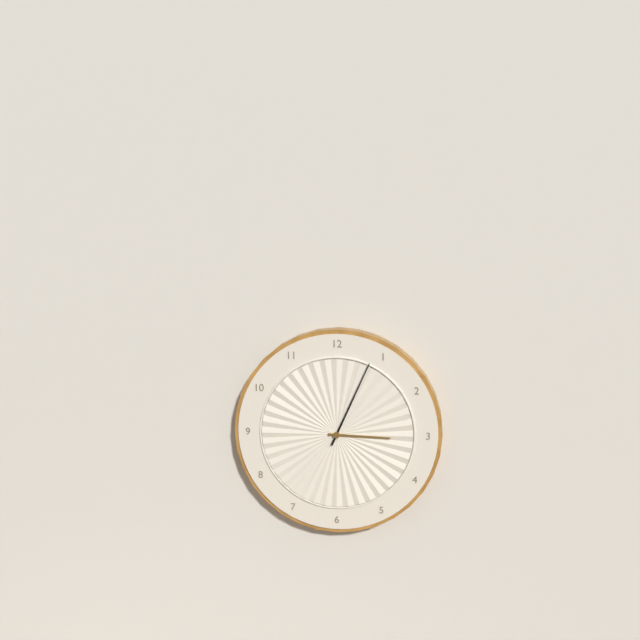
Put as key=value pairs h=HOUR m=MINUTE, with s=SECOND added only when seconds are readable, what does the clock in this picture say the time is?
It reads h=3 m=4
